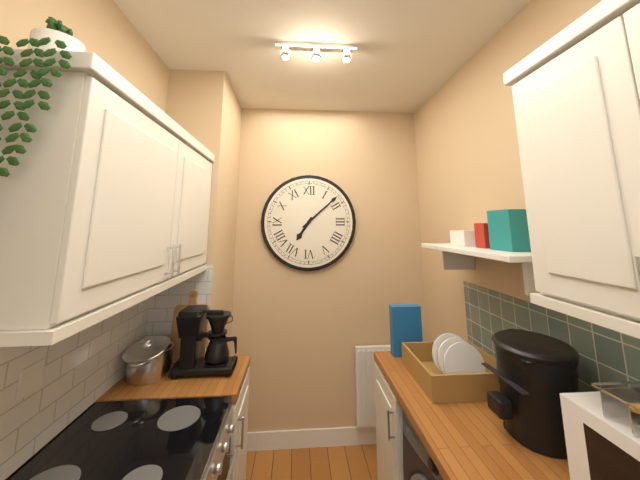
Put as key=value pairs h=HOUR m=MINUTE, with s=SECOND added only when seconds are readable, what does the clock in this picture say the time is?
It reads h=7 m=8
